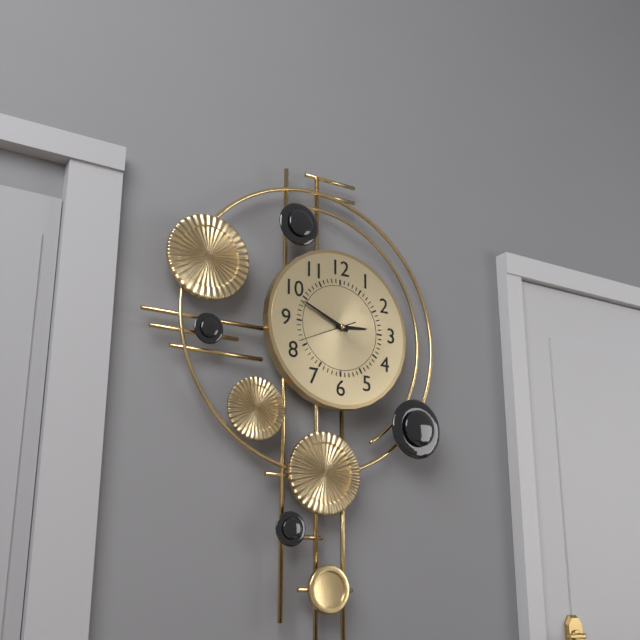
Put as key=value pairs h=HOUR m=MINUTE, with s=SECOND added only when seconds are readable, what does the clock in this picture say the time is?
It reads h=2 m=49
